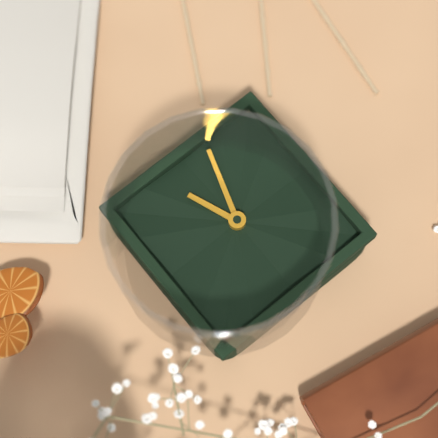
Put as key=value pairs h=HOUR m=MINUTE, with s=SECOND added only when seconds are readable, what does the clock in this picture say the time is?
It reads h=2 m=18
